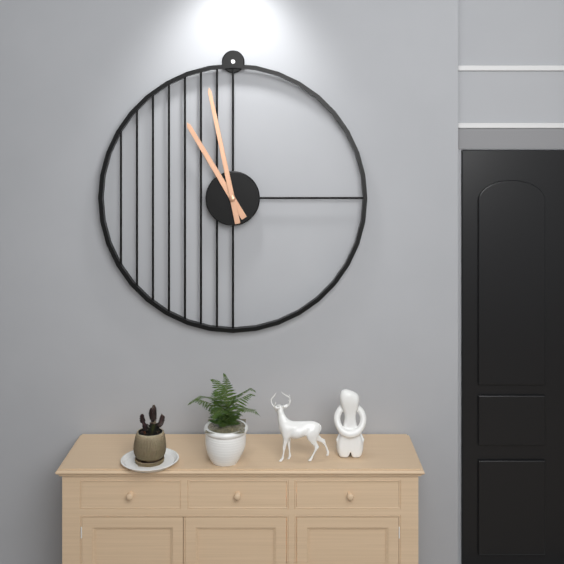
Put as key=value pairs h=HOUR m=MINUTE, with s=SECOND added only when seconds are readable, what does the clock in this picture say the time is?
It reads h=10 m=58
